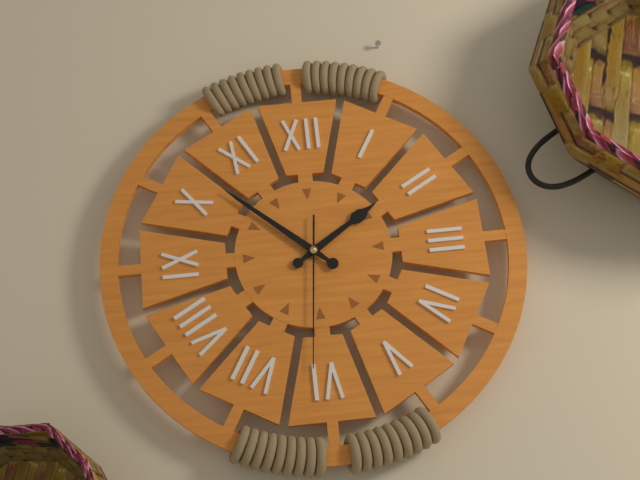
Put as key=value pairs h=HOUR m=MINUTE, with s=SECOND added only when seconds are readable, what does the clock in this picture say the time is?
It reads h=1 m=52 s=31
